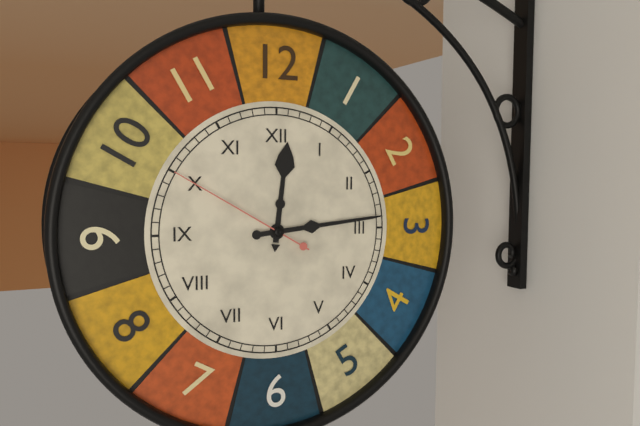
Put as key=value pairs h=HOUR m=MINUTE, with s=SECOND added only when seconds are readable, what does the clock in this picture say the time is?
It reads h=12 m=14 s=50
